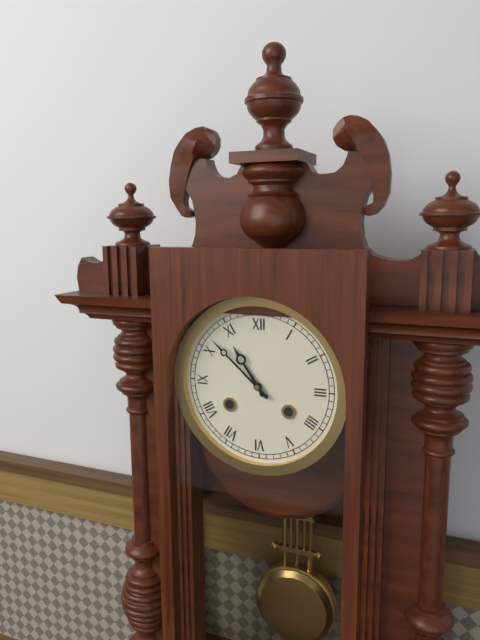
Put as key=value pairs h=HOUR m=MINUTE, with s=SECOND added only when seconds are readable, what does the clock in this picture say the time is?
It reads h=10 m=52
